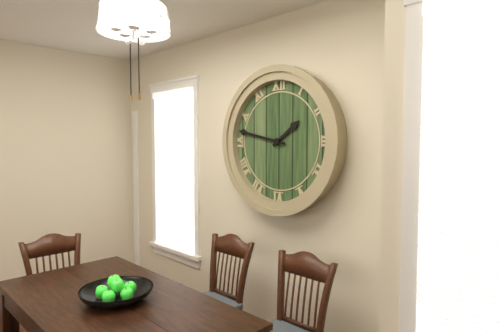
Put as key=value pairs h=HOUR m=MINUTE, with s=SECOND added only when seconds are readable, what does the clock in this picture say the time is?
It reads h=1 m=47
